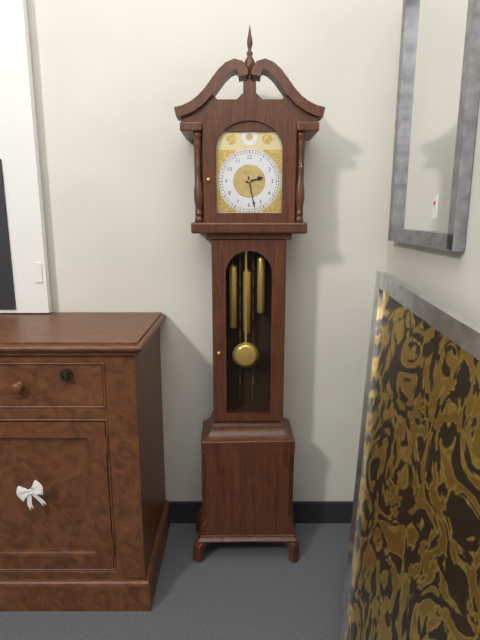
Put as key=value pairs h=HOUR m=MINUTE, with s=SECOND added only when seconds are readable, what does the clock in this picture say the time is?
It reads h=2 m=28
